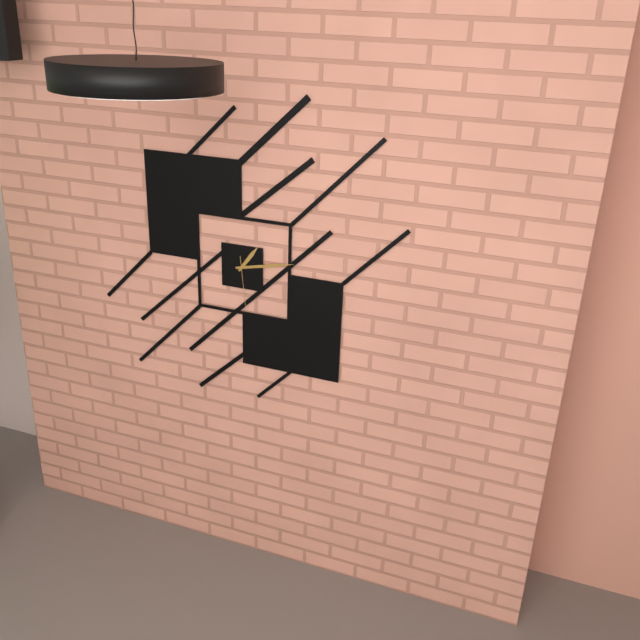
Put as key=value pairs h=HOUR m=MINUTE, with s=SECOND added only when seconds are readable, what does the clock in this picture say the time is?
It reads h=1 m=13
